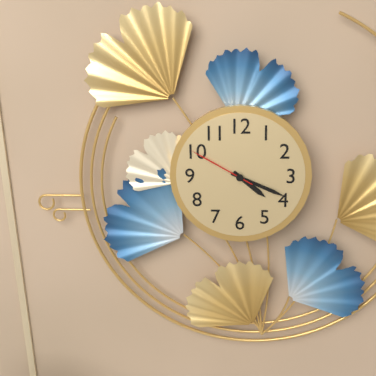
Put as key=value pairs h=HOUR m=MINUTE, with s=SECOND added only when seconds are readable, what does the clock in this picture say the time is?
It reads h=4 m=19 s=50
